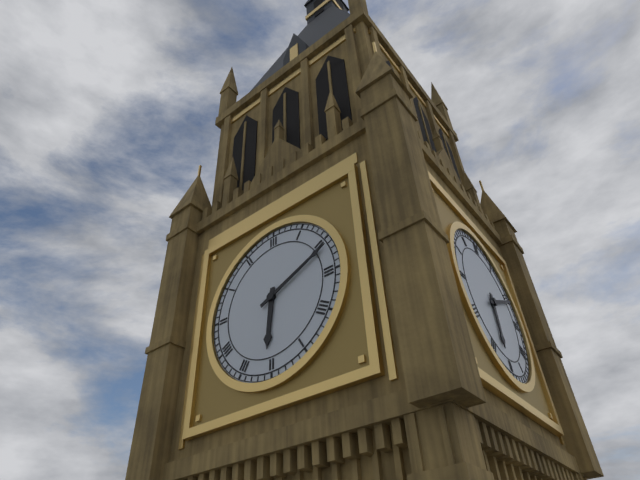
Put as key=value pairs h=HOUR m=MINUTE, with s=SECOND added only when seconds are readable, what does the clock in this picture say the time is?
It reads h=6 m=11
